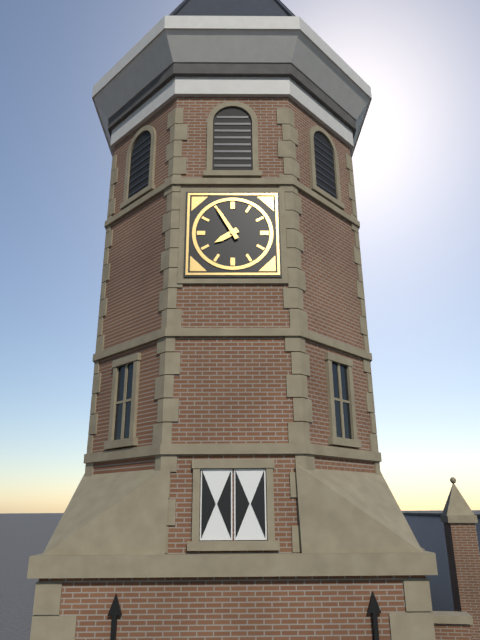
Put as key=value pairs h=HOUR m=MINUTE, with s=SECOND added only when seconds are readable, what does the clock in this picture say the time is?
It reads h=7 m=55
